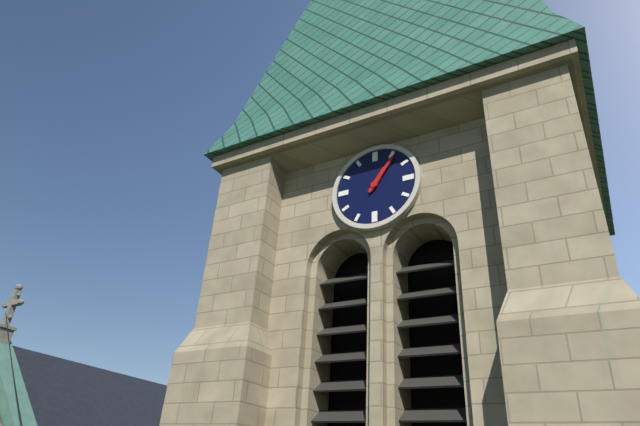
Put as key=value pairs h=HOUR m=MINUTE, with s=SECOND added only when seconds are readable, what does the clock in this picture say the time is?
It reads h=1 m=6
